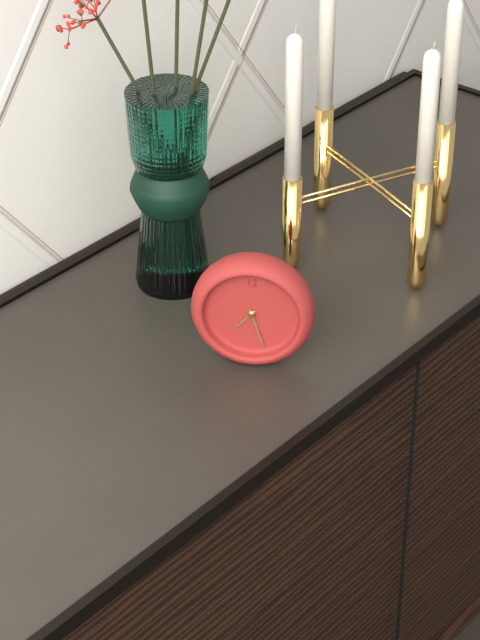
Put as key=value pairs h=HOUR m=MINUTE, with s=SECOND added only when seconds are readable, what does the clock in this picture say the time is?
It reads h=7 m=27
